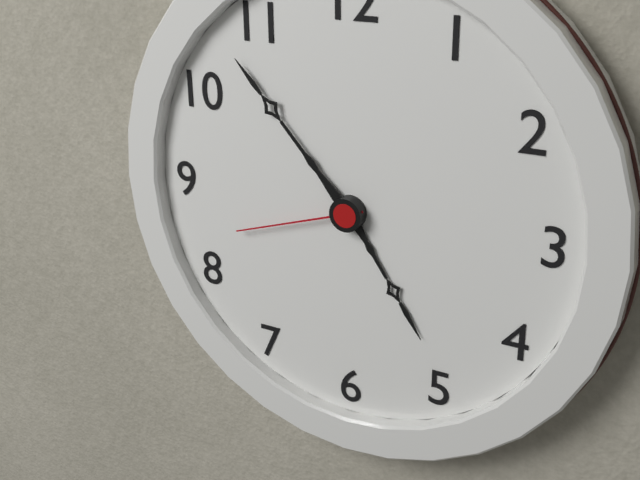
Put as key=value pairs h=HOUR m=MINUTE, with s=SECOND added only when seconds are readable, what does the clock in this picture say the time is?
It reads h=4 m=53 s=42
